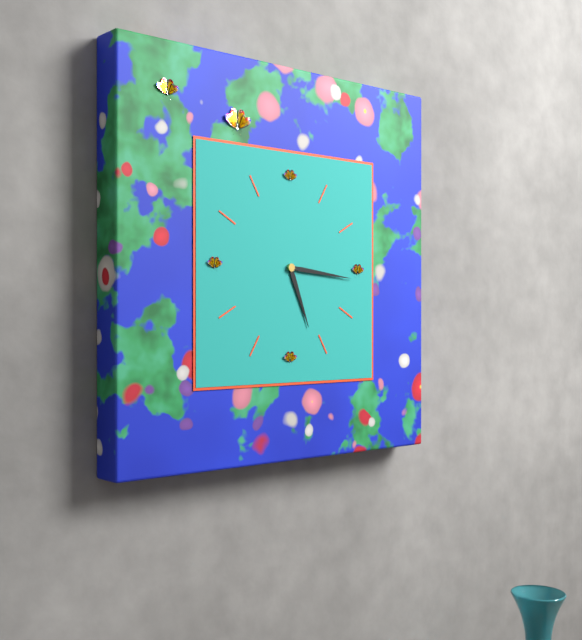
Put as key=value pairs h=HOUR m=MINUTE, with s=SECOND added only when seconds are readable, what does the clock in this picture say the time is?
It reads h=5 m=16
